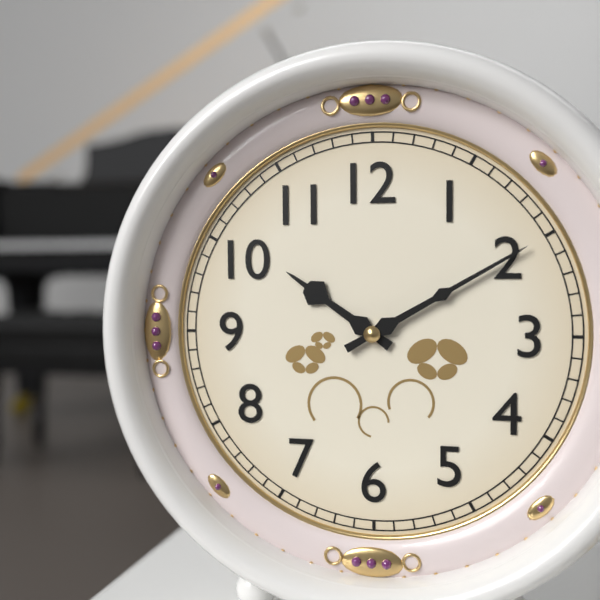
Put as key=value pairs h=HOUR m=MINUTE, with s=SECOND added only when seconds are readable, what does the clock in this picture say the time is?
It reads h=10 m=10
